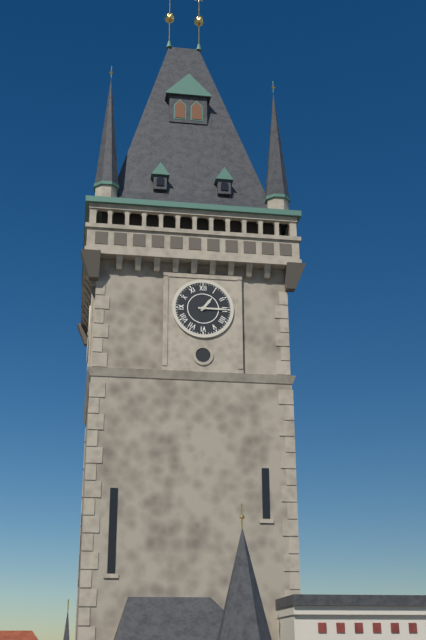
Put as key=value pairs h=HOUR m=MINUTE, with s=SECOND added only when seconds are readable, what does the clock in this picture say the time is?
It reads h=1 m=15
